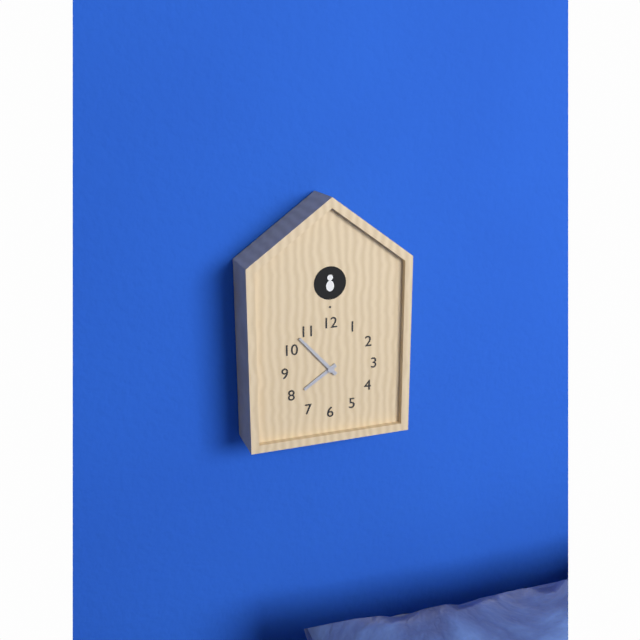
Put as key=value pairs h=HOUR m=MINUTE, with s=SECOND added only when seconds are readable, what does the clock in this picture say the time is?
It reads h=7 m=53
